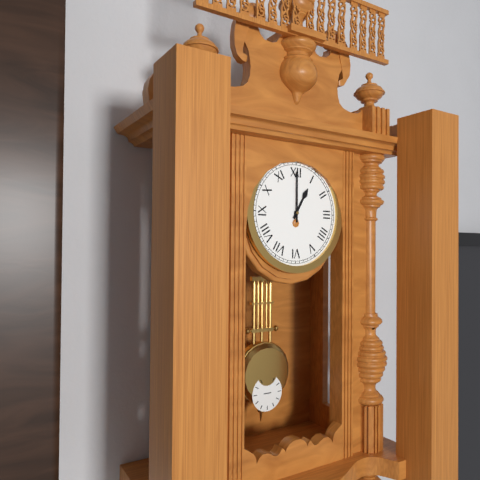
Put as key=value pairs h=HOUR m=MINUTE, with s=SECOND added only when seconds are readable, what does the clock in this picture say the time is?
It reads h=1 m=0
